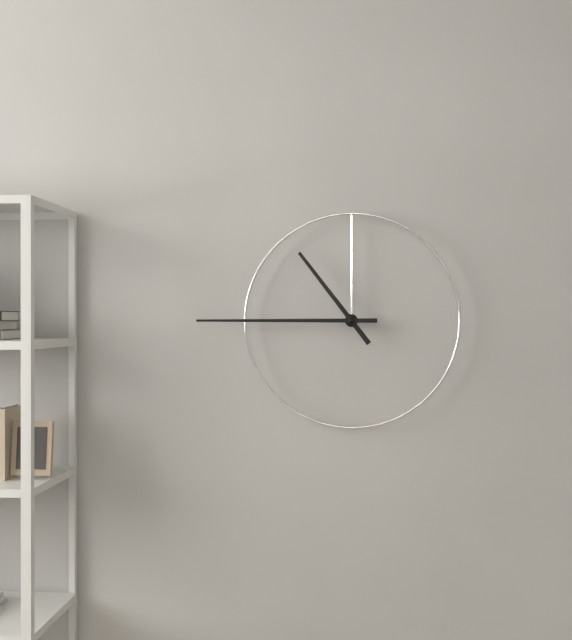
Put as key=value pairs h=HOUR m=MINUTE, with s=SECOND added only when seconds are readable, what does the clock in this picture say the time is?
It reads h=10 m=45
